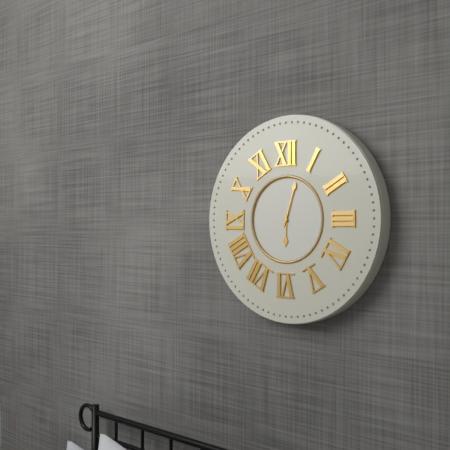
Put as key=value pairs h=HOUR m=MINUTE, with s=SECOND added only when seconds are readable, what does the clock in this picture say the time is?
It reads h=6 m=3
